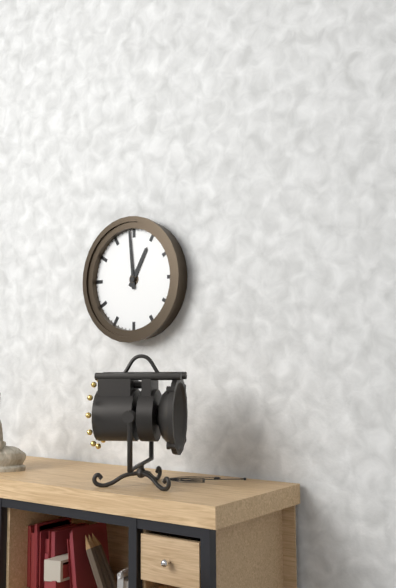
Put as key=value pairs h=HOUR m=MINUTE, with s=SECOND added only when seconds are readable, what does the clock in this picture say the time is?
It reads h=12 m=59
